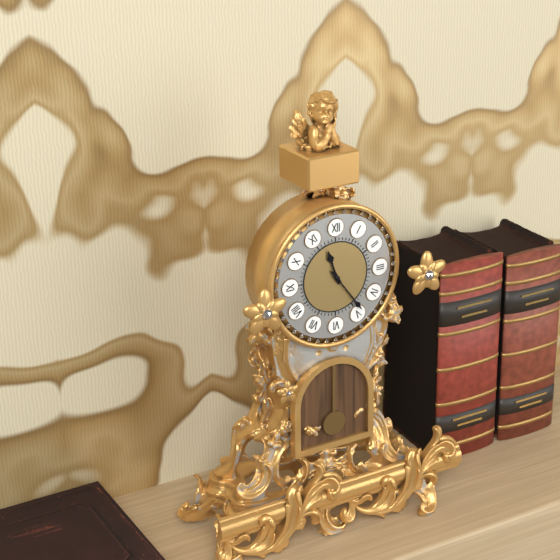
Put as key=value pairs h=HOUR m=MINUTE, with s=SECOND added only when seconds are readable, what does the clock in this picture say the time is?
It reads h=11 m=24
